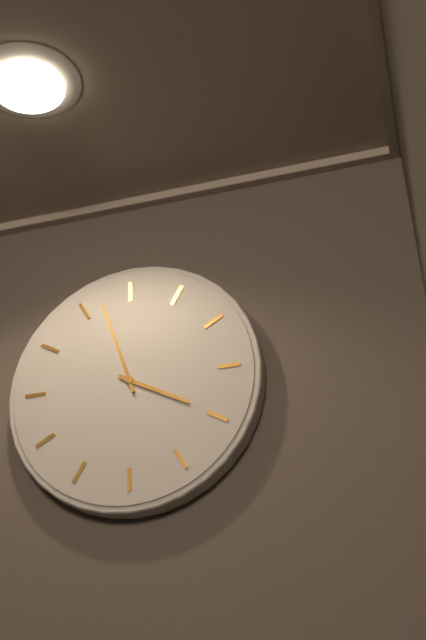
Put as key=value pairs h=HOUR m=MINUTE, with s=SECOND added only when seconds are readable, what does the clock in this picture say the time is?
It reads h=3 m=57
